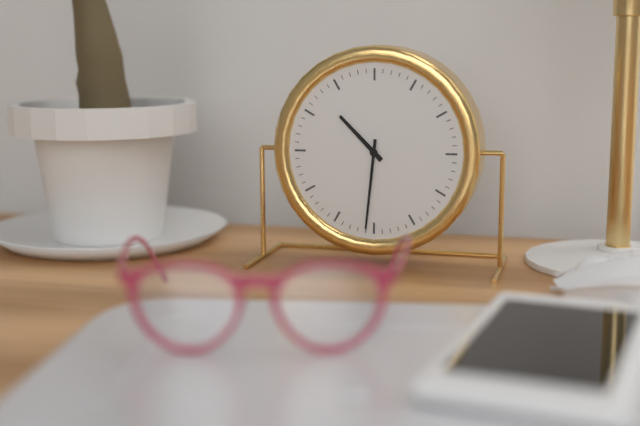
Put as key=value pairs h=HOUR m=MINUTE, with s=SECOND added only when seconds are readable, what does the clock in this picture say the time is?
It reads h=10 m=31
